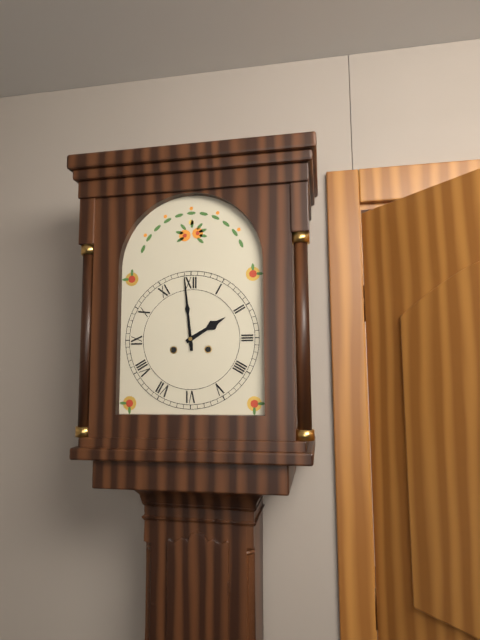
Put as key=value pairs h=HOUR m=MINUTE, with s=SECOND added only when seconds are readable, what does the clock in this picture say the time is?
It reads h=1 m=59
